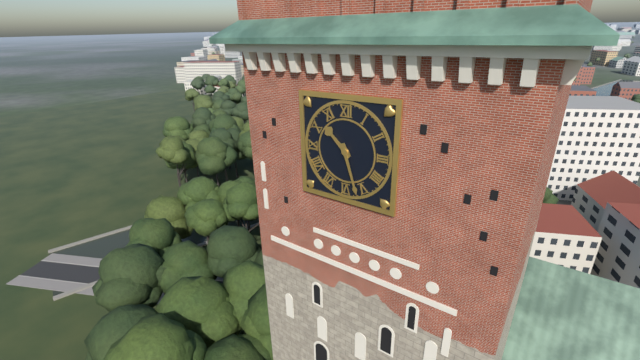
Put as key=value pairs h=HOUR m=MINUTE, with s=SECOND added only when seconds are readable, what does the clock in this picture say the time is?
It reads h=10 m=27
